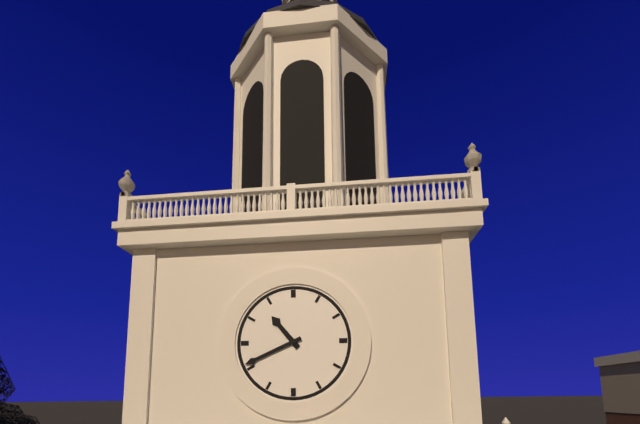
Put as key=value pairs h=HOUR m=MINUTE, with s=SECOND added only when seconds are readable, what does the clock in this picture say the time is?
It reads h=10 m=41
